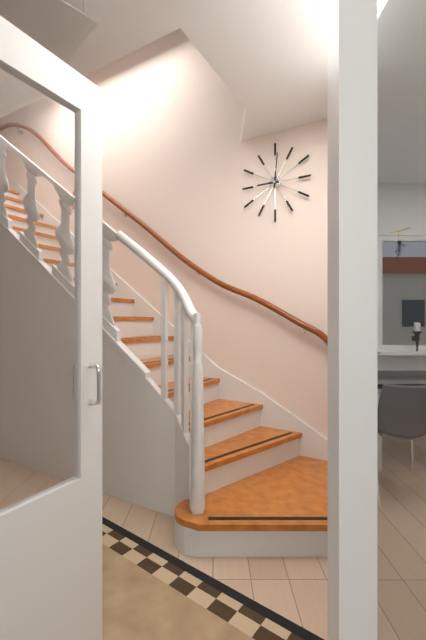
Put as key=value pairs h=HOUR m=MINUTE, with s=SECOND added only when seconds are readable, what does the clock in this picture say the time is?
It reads h=9 m=1
